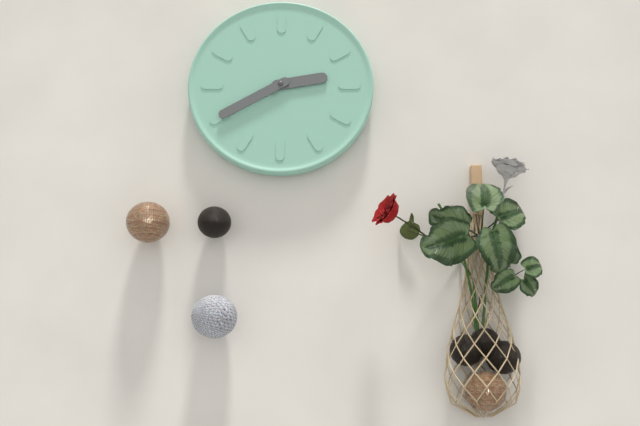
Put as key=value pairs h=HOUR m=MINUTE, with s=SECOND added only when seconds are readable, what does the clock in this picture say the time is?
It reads h=2 m=40
